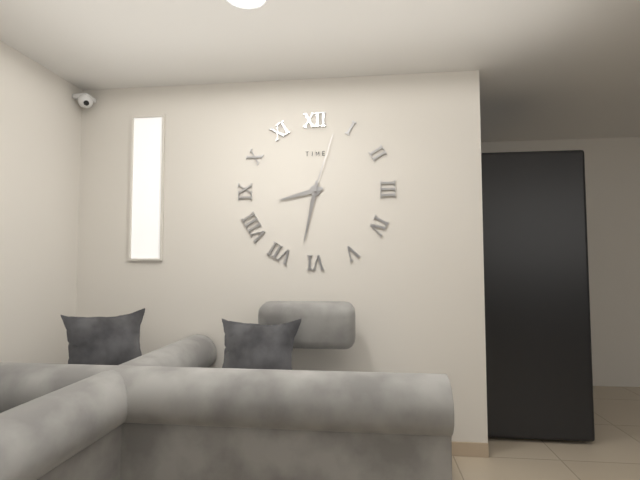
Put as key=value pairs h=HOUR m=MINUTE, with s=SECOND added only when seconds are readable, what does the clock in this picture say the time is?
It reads h=8 m=32 s=3
